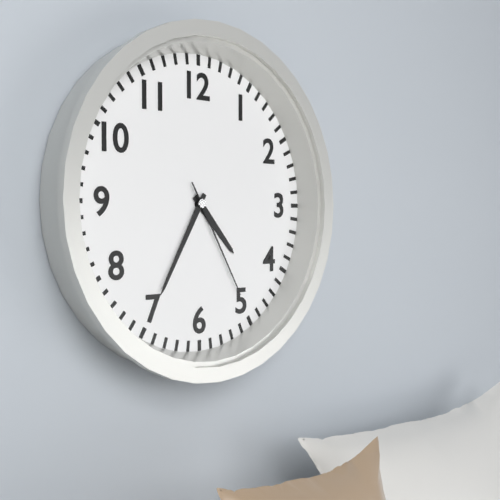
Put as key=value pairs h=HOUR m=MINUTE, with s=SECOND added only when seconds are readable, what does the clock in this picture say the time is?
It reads h=4 m=35 s=25
